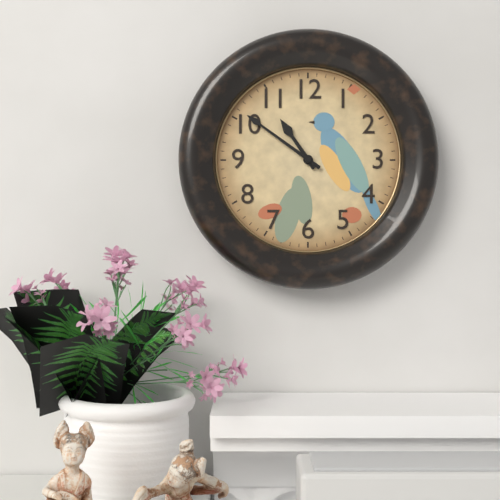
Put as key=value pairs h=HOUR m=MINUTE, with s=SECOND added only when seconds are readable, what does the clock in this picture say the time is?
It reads h=10 m=51
